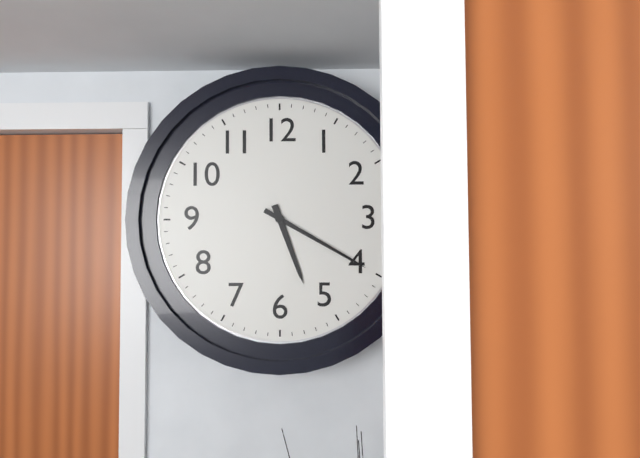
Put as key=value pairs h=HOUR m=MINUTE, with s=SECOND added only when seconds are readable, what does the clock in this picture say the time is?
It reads h=5 m=20
